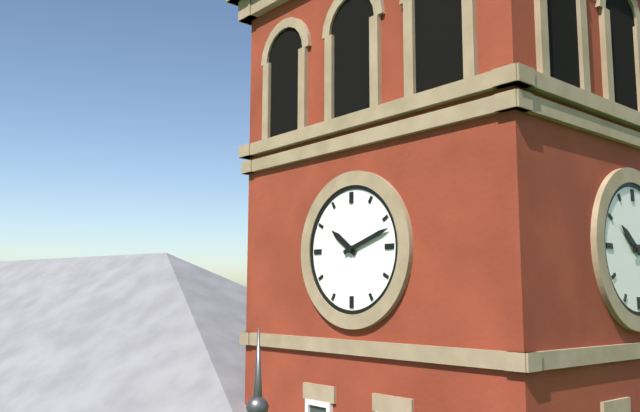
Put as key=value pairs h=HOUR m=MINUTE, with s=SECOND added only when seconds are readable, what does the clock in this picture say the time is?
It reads h=10 m=12
